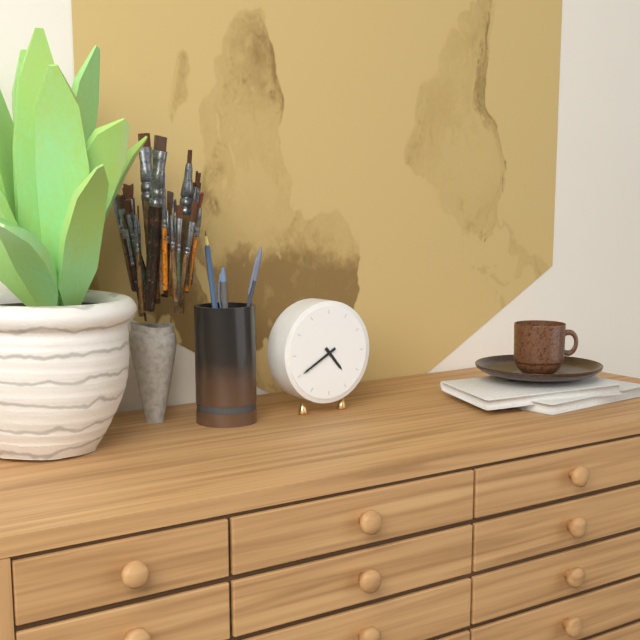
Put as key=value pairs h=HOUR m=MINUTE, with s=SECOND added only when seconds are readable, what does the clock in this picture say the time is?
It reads h=4 m=40
